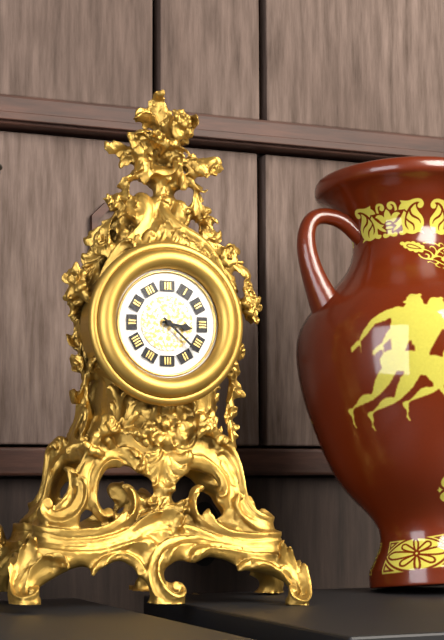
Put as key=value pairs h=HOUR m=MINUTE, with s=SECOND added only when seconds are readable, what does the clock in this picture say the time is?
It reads h=3 m=22
